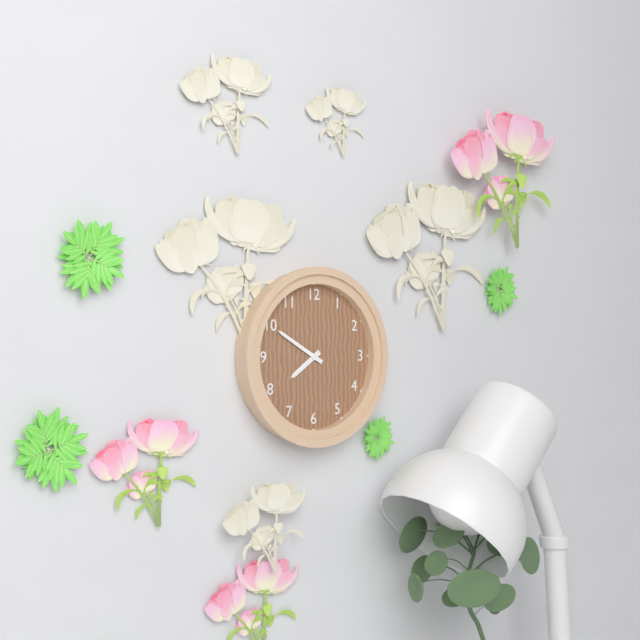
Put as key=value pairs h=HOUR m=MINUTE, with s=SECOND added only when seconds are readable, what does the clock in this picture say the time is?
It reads h=7 m=50
